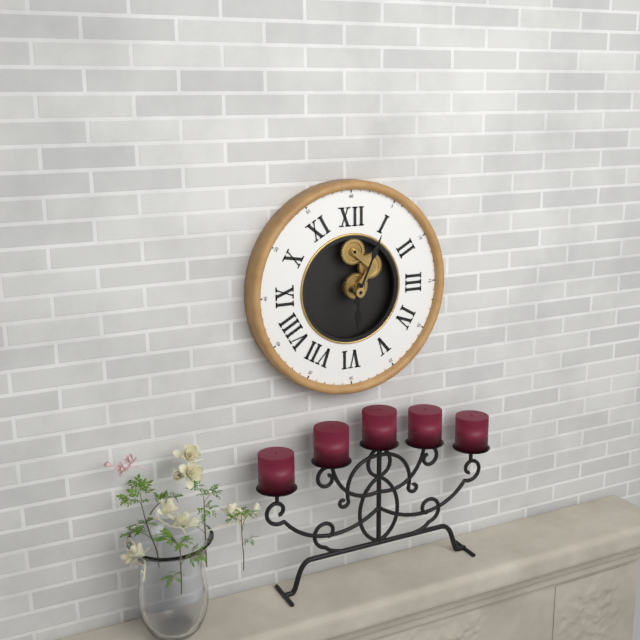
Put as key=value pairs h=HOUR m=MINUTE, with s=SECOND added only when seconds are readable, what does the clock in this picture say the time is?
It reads h=6 m=4
